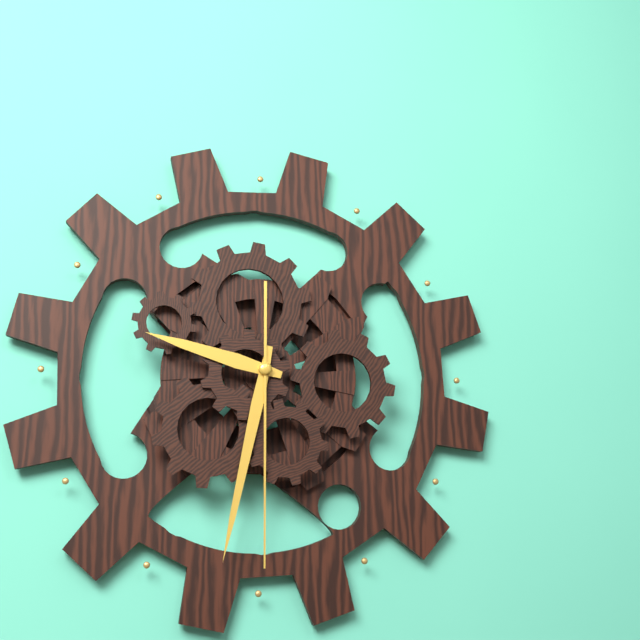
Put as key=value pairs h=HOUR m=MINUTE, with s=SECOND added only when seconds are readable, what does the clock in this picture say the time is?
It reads h=9 m=32 s=30
